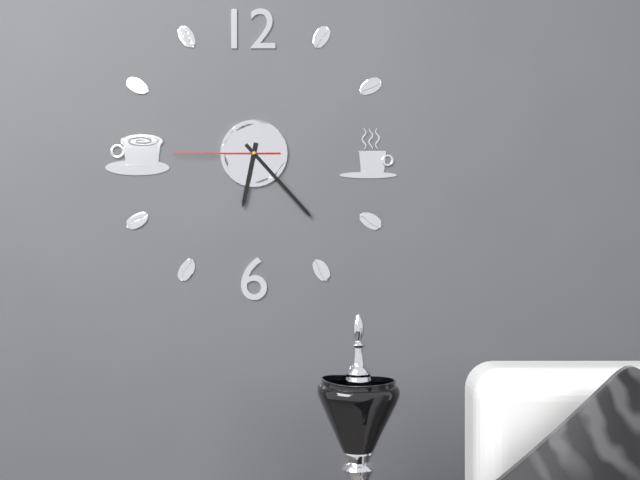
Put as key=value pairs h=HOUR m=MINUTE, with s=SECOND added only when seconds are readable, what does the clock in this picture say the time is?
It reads h=6 m=23 s=45
